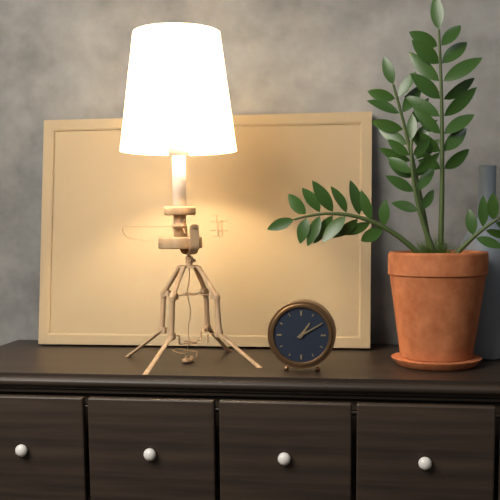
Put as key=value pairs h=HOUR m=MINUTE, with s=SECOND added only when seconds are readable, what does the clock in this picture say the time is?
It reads h=1 m=10
